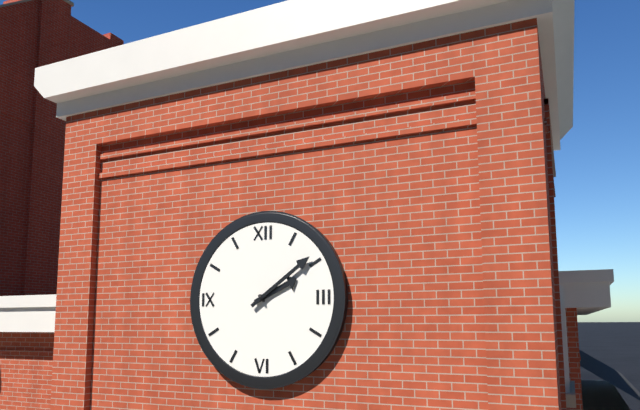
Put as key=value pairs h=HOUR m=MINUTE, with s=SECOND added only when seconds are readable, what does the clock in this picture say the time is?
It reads h=2 m=9
